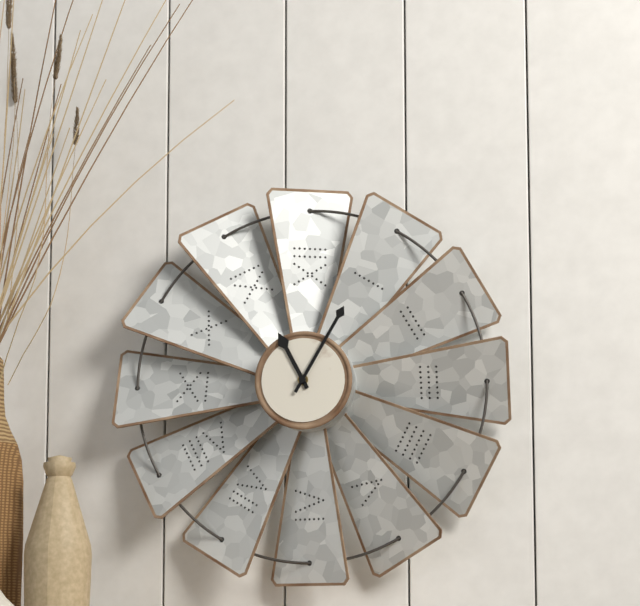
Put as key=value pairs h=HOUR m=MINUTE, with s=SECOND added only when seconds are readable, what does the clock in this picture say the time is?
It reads h=11 m=5
